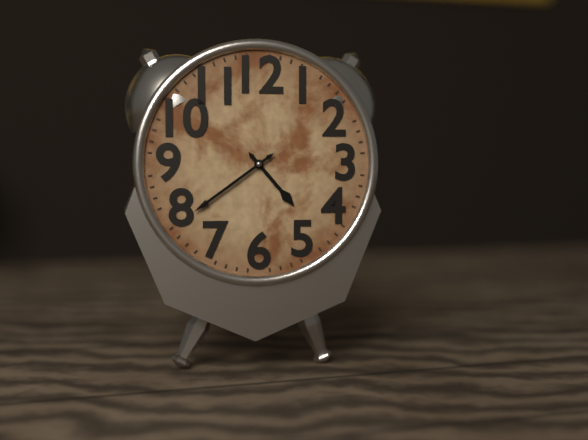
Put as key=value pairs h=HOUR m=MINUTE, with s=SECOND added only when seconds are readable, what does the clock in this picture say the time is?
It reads h=4 m=39
